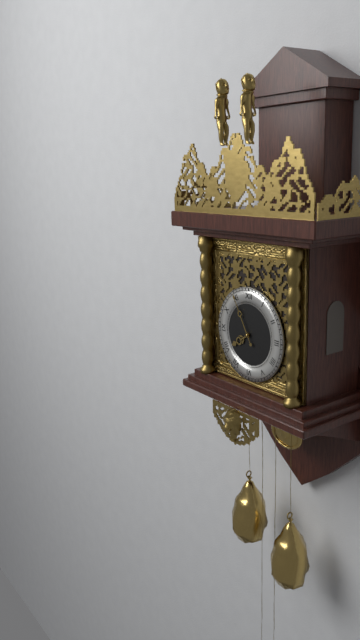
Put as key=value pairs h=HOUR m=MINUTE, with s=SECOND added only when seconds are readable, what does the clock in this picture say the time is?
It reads h=7 m=55
